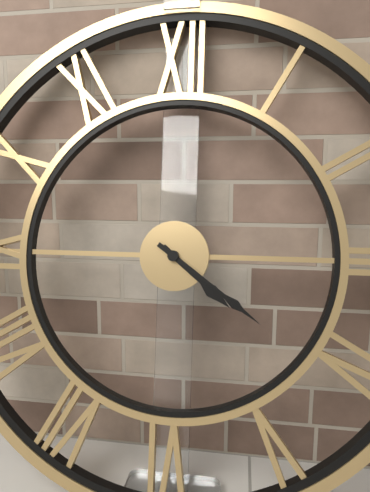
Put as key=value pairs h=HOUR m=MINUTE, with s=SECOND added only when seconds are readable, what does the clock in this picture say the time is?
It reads h=4 m=21
